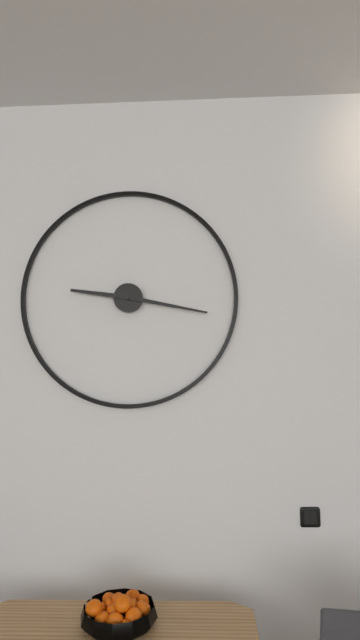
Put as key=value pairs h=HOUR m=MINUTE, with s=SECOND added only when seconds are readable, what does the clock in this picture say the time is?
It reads h=9 m=17
